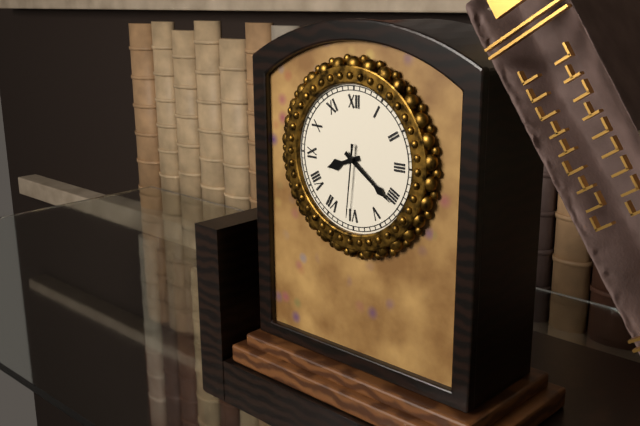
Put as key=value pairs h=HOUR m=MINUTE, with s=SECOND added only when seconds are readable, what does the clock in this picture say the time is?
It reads h=8 m=21 s=31
